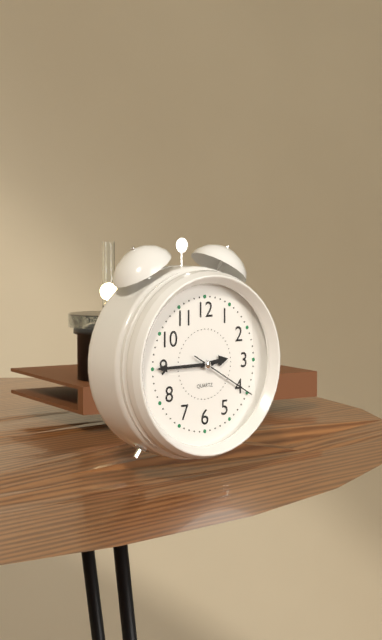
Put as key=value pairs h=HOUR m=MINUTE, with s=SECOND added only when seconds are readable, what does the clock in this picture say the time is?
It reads h=2 m=45 s=20
